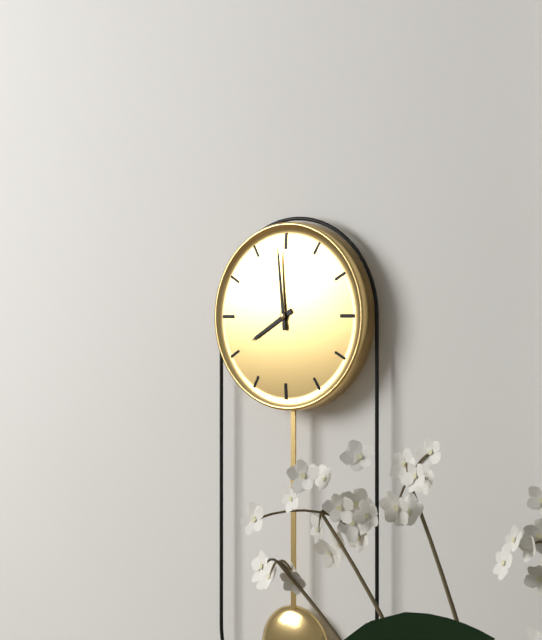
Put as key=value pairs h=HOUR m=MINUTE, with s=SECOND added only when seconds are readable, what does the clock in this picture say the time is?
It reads h=7 m=59
